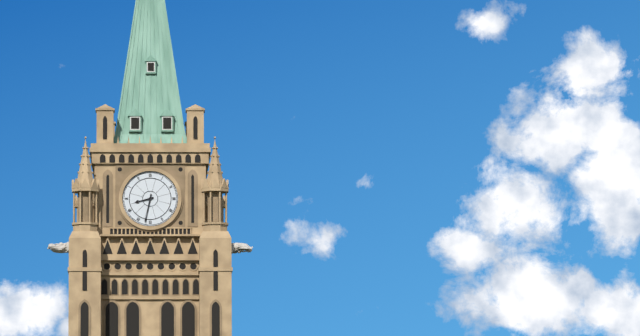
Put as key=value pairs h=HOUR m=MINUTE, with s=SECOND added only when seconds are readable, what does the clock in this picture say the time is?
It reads h=8 m=32
